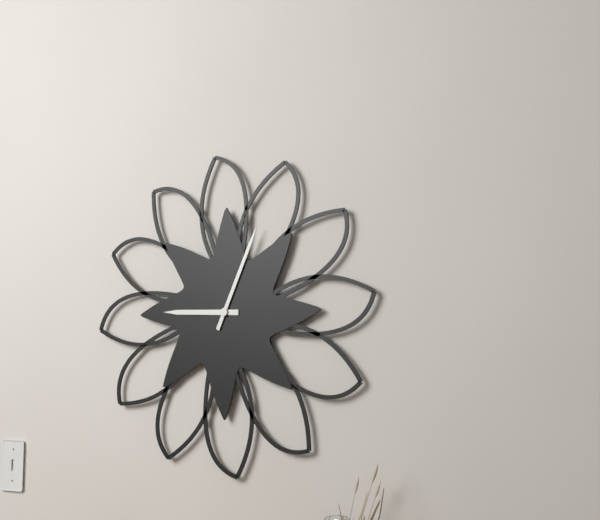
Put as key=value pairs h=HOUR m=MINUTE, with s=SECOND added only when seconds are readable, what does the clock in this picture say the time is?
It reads h=9 m=4
